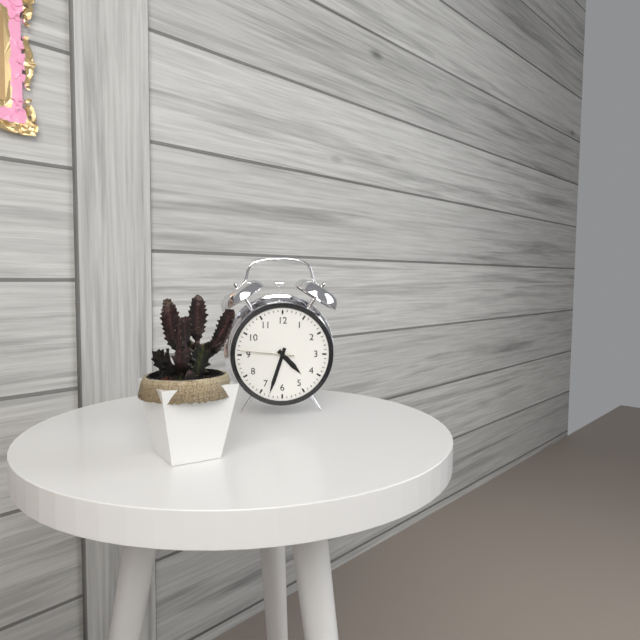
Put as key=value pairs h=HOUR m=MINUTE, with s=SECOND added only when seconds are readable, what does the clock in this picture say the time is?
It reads h=4 m=33 s=46
